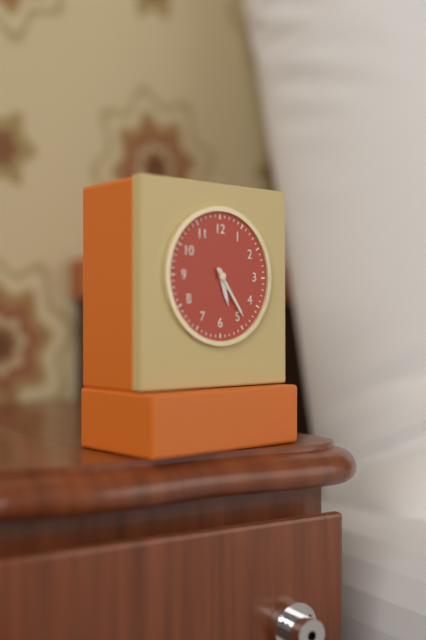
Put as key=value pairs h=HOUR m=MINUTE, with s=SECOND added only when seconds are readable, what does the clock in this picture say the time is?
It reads h=5 m=24
